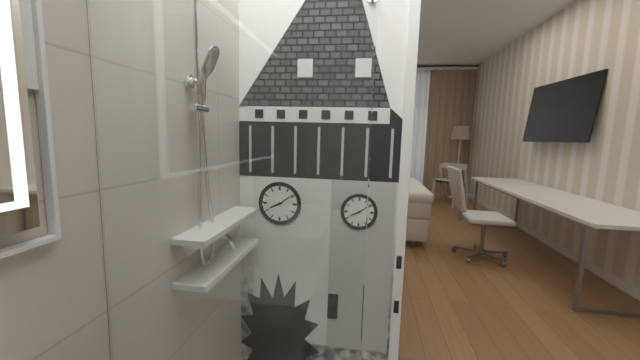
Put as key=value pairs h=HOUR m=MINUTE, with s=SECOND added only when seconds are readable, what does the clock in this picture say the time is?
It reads h=8 m=9
